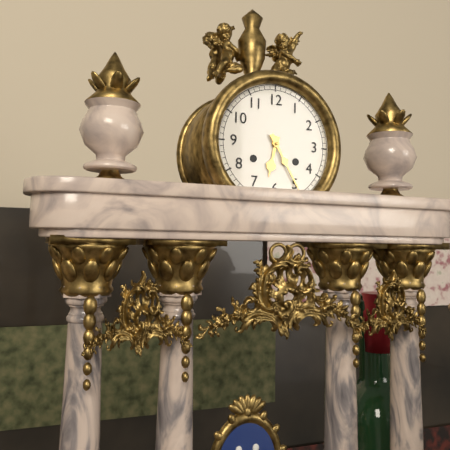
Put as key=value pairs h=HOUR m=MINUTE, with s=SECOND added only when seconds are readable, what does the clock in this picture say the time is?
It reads h=6 m=25
